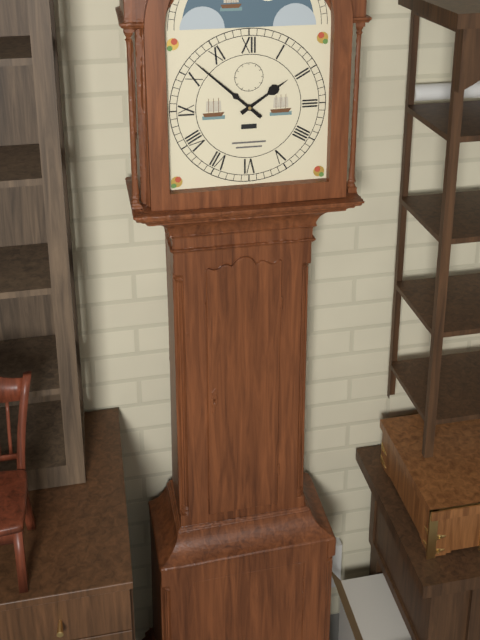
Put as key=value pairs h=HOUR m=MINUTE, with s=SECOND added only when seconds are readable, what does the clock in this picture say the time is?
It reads h=1 m=52
